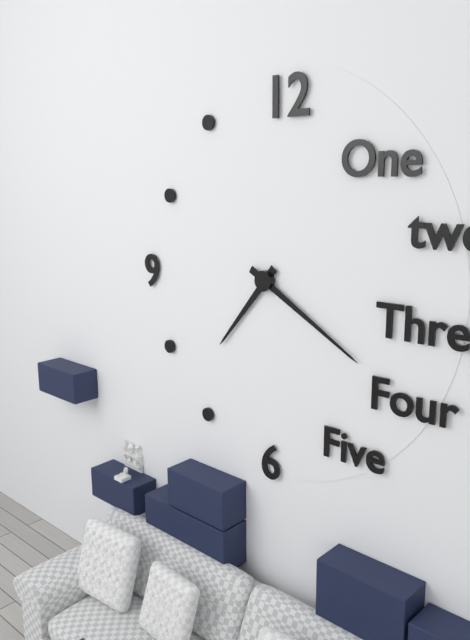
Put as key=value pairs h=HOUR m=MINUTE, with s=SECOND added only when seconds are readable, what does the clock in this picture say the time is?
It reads h=7 m=20
